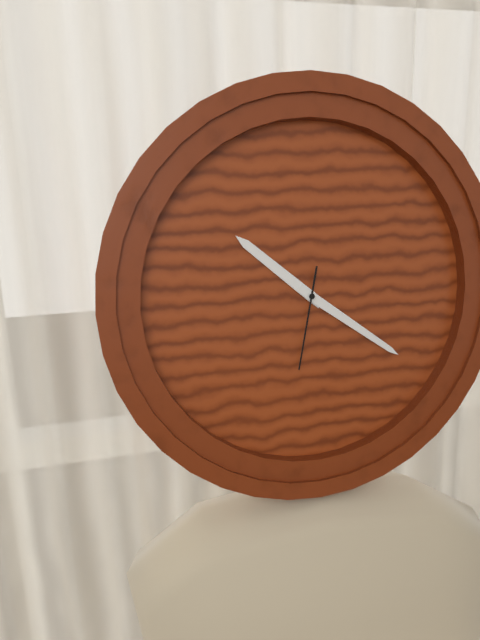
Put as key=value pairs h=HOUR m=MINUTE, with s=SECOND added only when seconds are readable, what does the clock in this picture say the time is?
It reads h=10 m=21 s=32
